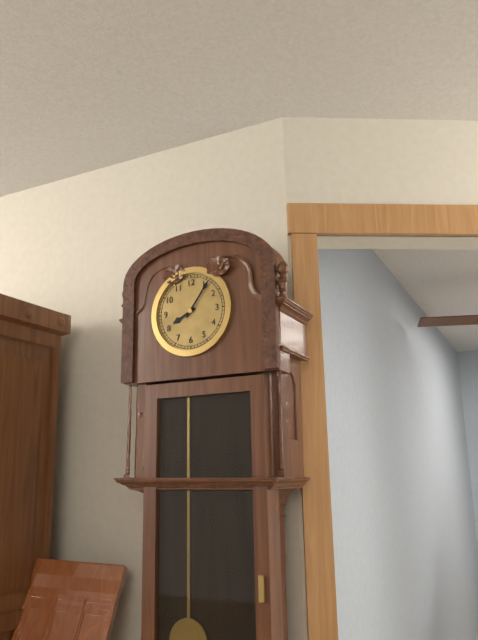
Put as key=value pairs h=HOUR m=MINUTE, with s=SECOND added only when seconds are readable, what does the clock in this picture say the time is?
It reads h=8 m=6
